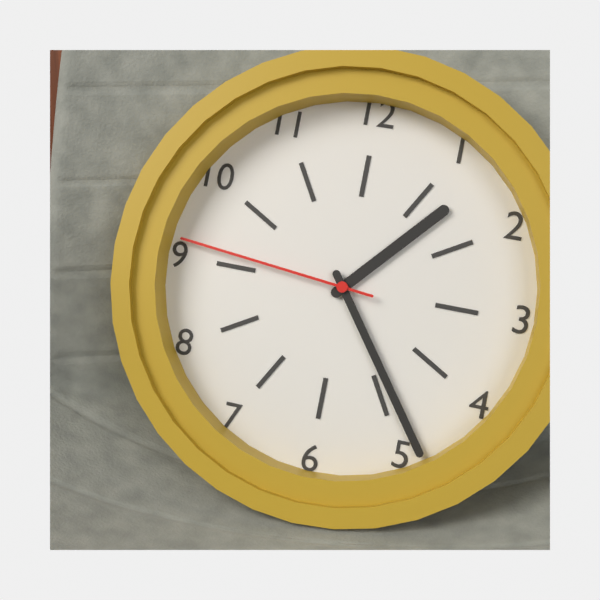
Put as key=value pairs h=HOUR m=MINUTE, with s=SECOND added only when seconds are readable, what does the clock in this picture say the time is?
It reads h=1 m=24 s=46
